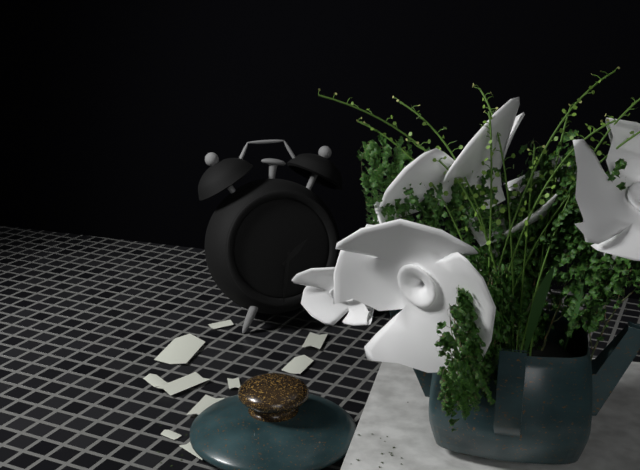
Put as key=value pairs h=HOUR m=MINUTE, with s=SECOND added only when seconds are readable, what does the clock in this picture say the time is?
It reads h=1 m=31
